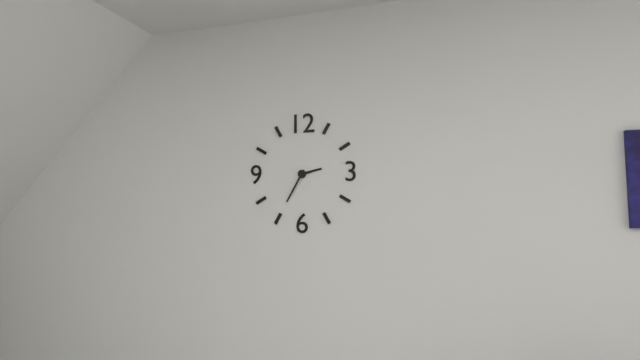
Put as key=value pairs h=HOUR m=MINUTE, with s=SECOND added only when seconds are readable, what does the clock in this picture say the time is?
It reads h=2 m=35
